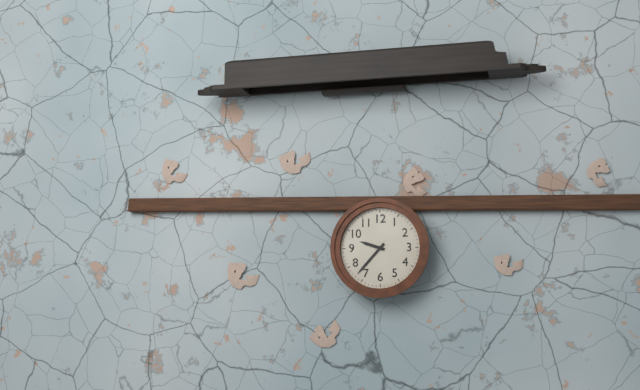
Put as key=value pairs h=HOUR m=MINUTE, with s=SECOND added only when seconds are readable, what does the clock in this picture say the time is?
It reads h=9 m=37
